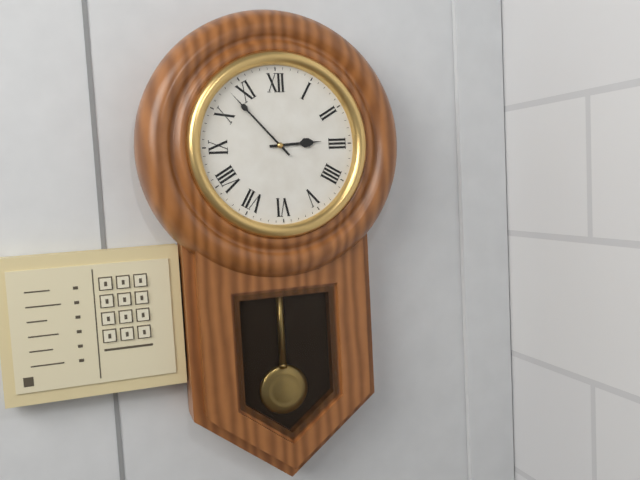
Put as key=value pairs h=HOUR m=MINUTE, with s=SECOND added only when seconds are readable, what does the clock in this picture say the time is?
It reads h=2 m=53
